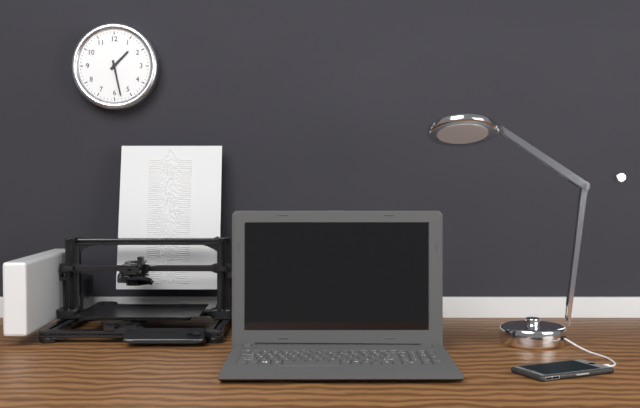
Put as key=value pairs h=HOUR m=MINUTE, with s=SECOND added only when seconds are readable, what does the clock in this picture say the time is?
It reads h=1 m=28
